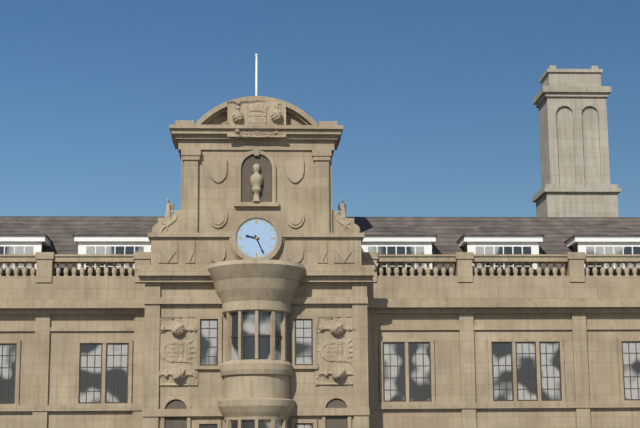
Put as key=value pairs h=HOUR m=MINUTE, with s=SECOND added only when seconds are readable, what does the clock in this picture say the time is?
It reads h=9 m=26
